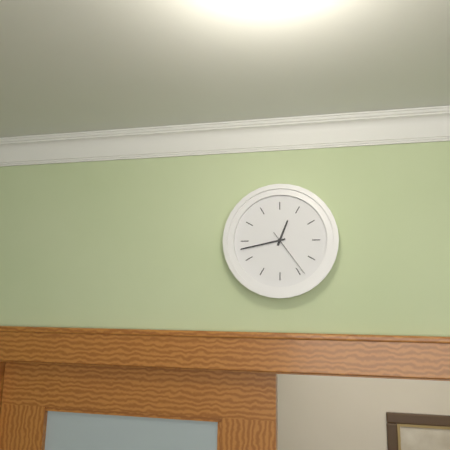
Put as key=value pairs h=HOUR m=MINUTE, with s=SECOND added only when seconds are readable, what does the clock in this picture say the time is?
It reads h=12 m=43 s=24
